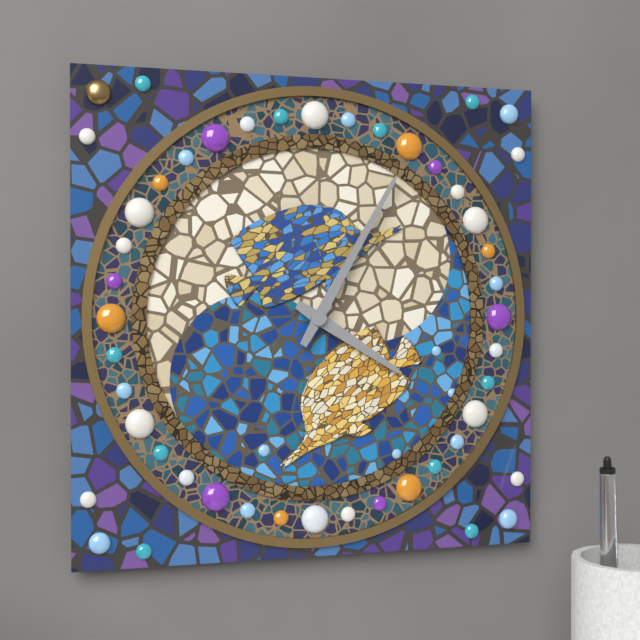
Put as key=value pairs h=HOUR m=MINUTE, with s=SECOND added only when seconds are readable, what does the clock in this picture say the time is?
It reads h=4 m=5
